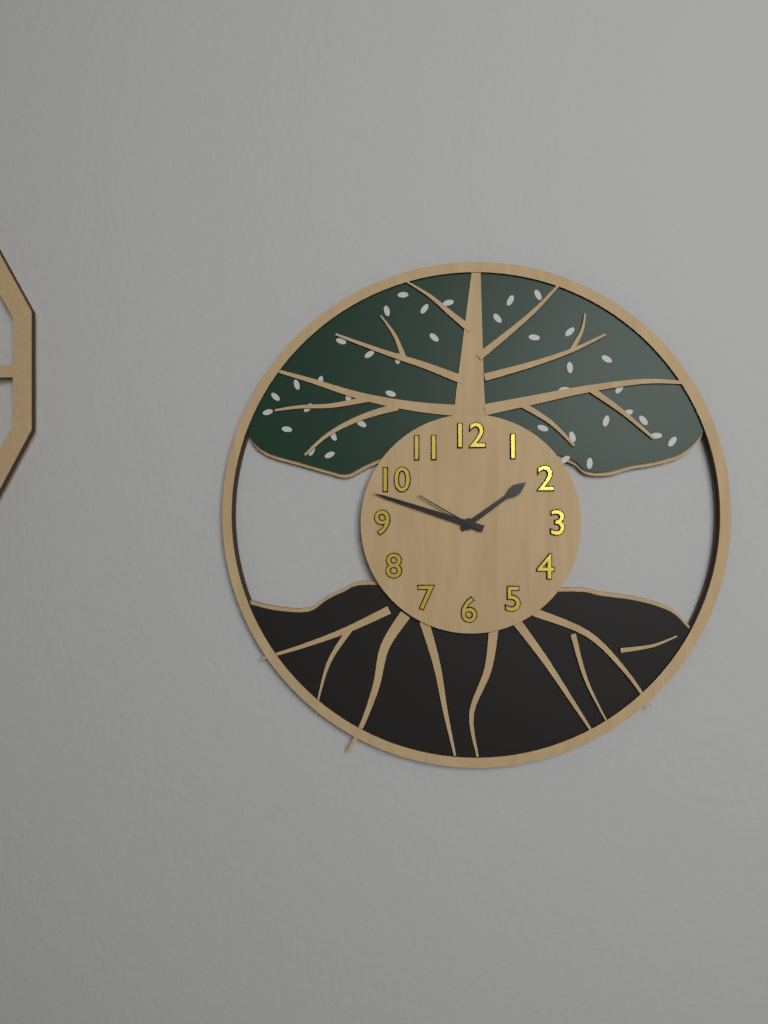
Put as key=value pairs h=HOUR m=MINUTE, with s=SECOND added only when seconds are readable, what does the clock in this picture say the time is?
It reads h=1 m=48 s=50
